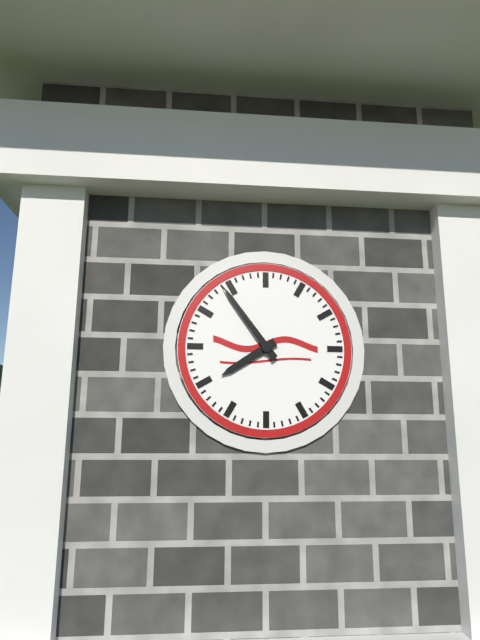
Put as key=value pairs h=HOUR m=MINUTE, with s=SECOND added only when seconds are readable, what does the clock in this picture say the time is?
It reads h=7 m=54
